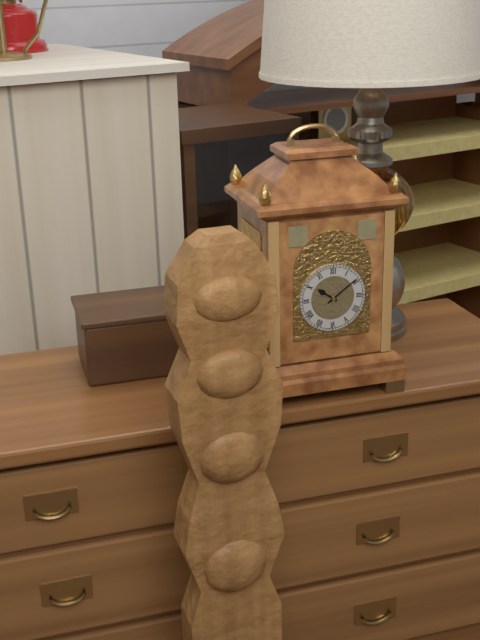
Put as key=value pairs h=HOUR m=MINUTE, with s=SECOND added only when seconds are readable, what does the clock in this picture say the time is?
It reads h=10 m=9
